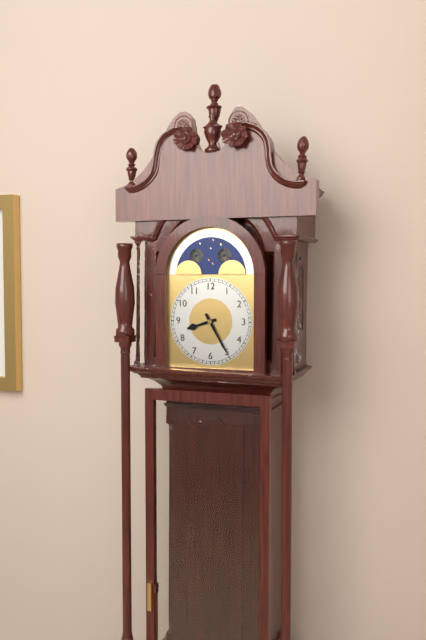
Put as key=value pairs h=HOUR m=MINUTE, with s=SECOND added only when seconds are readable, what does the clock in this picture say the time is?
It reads h=8 m=25
